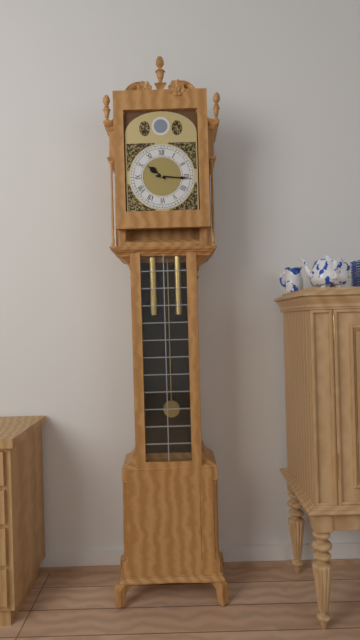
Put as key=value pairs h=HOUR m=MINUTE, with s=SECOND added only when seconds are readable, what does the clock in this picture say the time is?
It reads h=10 m=16
